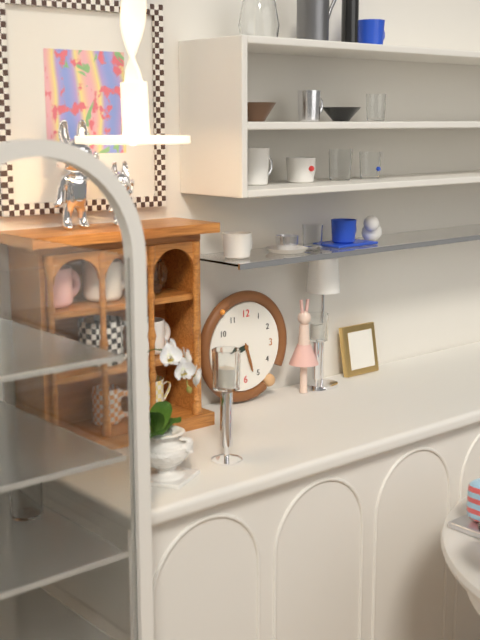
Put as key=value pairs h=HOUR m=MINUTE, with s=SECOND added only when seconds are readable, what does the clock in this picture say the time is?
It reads h=8 m=27
